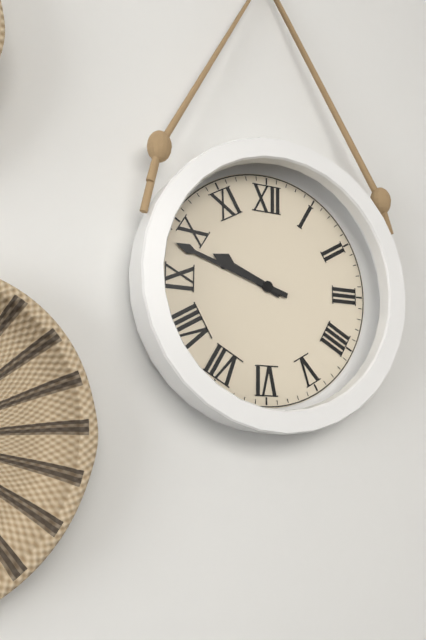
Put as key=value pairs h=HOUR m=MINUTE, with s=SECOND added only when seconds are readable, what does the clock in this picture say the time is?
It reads h=9 m=48
